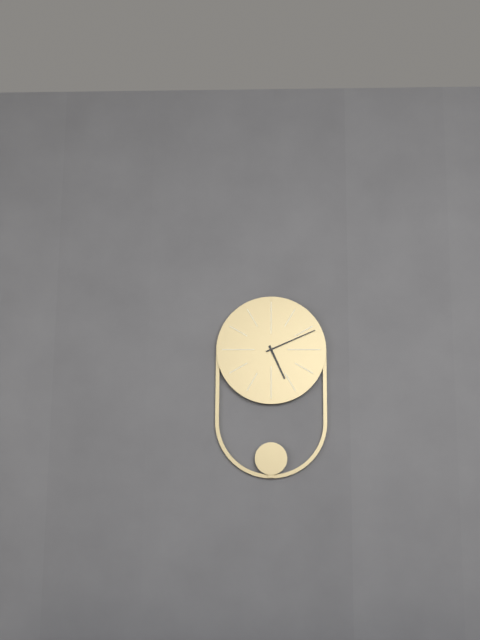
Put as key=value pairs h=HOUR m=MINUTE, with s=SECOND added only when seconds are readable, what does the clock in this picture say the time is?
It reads h=5 m=11
